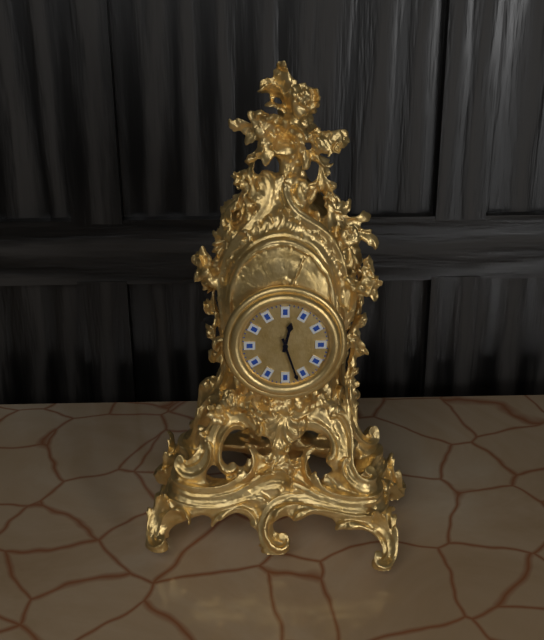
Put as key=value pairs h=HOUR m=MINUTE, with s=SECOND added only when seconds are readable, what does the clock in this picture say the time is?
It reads h=12 m=27
